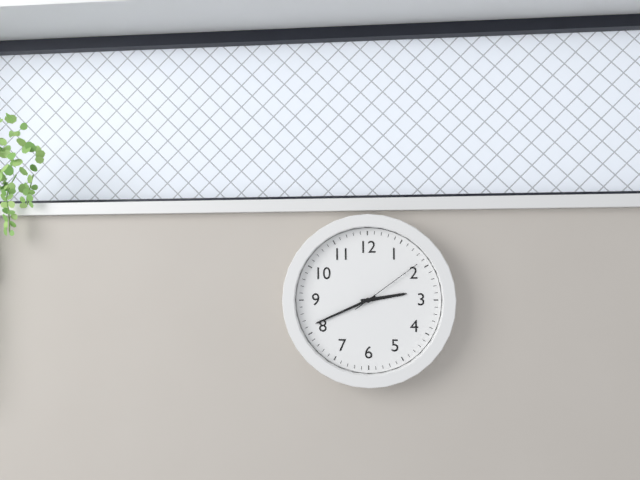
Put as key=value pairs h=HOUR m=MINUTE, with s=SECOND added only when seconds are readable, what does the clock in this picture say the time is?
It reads h=2 m=41 s=9
